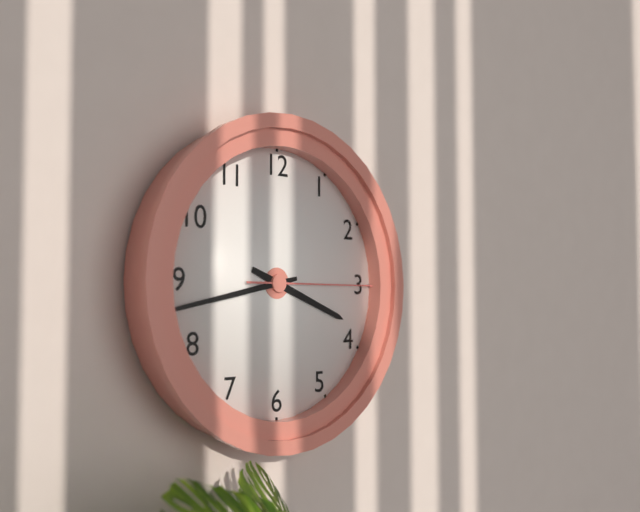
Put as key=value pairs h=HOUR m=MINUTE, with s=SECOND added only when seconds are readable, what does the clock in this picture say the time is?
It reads h=3 m=43 s=15
